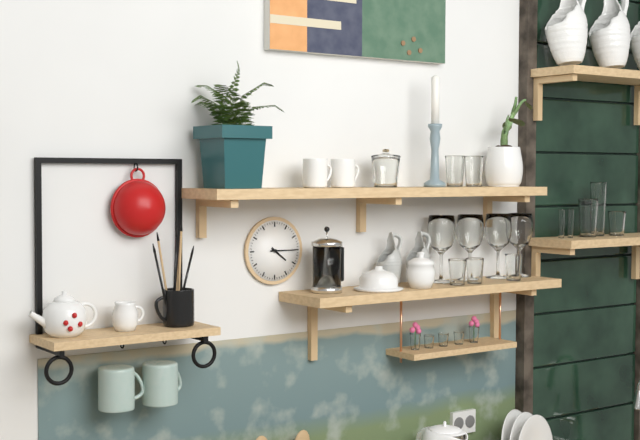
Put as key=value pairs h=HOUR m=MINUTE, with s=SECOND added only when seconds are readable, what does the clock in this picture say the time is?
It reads h=4 m=15
